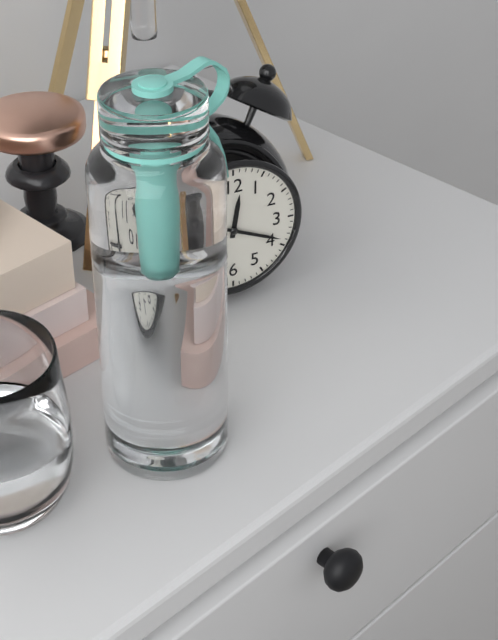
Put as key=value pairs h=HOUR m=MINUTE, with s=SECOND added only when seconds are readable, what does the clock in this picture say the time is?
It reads h=12 m=19
